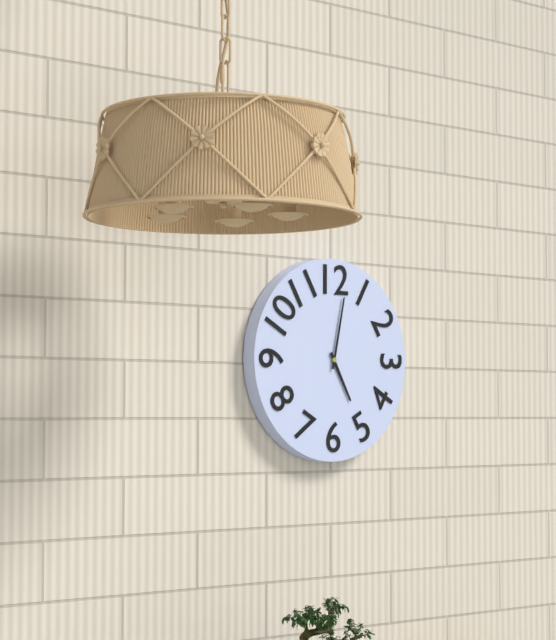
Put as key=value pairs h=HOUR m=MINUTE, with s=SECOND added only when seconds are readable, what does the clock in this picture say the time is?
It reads h=5 m=2
